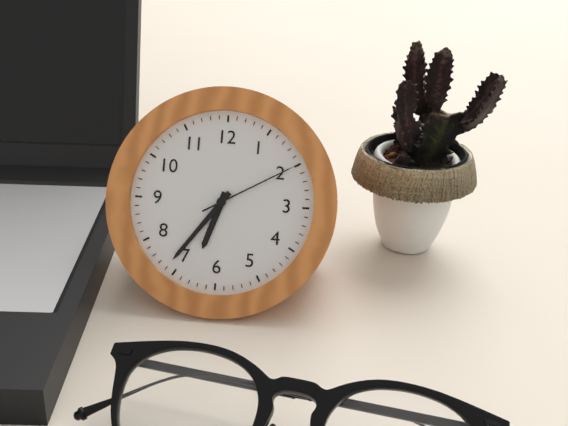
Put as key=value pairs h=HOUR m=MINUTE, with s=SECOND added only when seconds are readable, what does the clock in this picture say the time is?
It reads h=6 m=36 s=10
